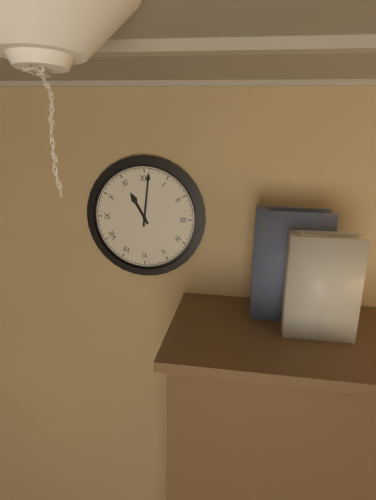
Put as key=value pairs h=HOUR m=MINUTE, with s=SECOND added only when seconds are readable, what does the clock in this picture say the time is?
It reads h=11 m=1
